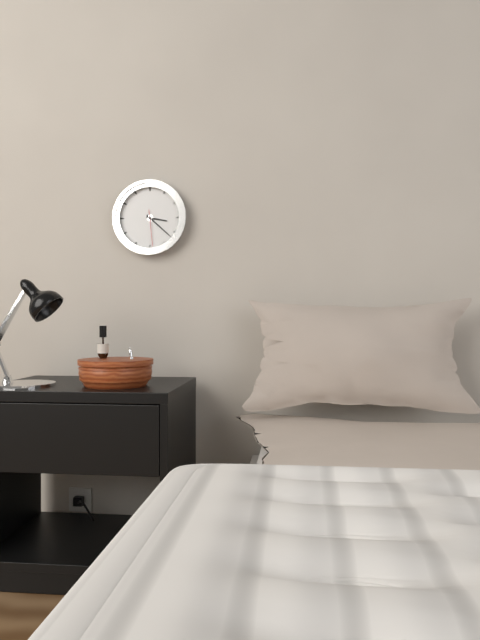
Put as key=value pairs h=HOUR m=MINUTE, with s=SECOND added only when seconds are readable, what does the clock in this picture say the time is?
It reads h=3 m=22
